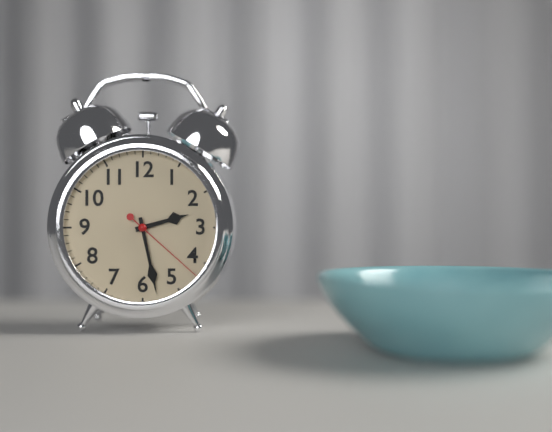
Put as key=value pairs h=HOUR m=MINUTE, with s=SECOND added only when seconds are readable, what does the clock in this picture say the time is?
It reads h=2 m=28 s=22
